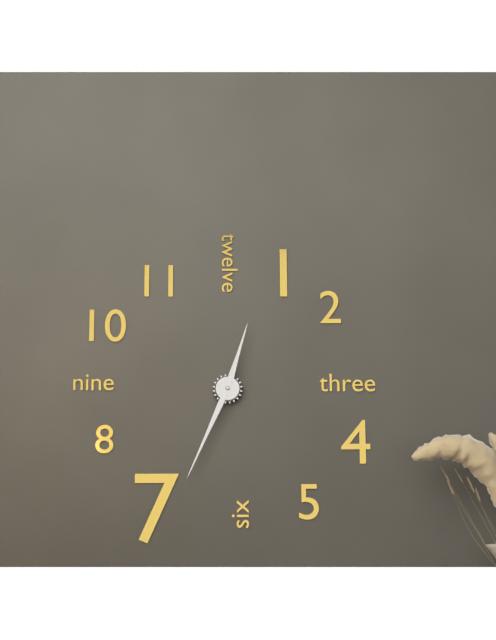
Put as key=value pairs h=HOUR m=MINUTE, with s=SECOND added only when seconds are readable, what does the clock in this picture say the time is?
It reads h=12 m=34
